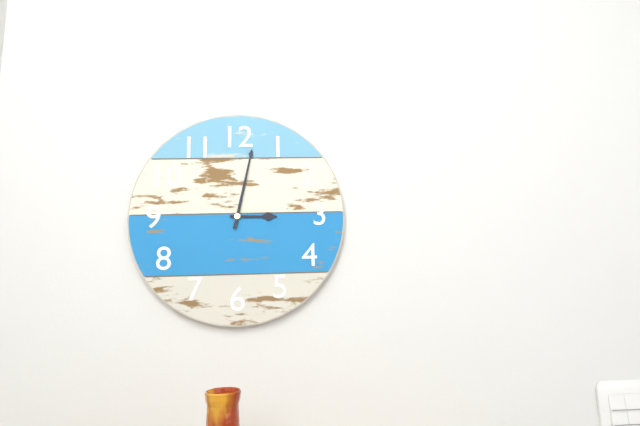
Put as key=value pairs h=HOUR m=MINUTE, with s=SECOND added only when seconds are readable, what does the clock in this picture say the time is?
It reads h=3 m=2
